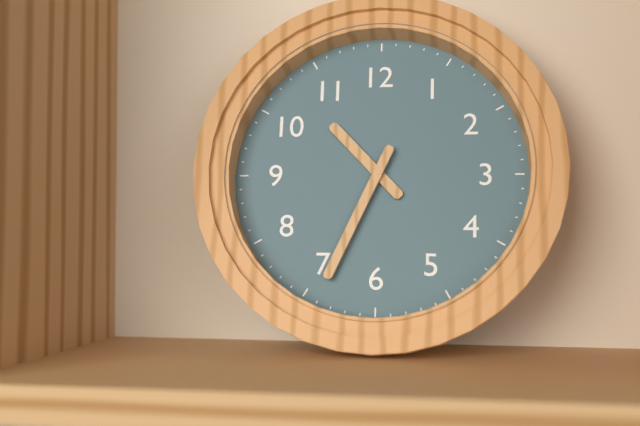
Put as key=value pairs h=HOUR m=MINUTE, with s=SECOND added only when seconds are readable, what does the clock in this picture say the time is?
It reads h=10 m=34
